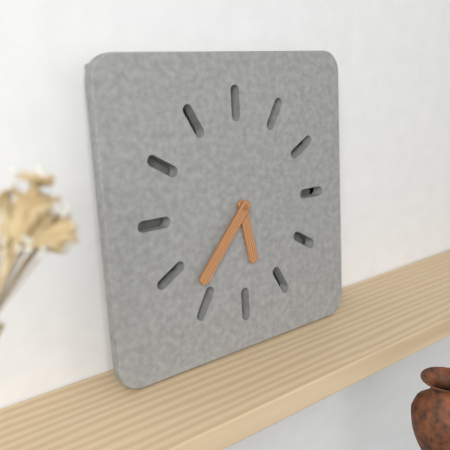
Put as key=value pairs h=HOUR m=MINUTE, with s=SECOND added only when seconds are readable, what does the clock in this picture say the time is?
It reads h=5 m=37
